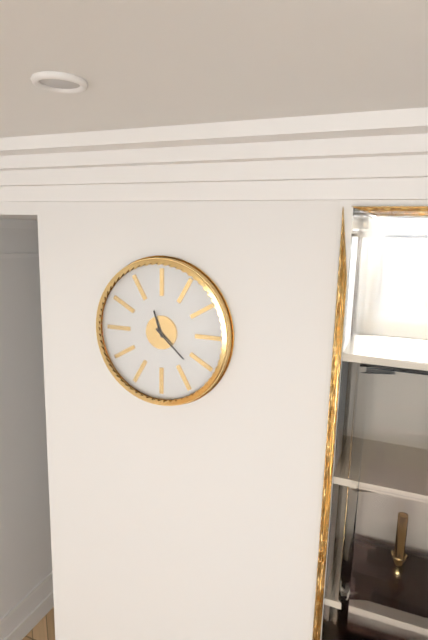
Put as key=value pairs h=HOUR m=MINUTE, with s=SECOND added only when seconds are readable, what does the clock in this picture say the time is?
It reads h=11 m=22
